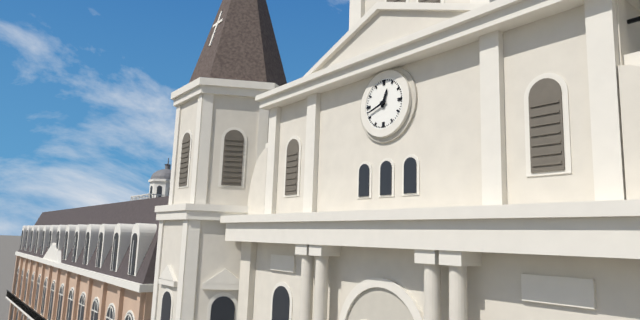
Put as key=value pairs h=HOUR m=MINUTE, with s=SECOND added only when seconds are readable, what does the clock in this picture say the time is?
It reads h=12 m=42
